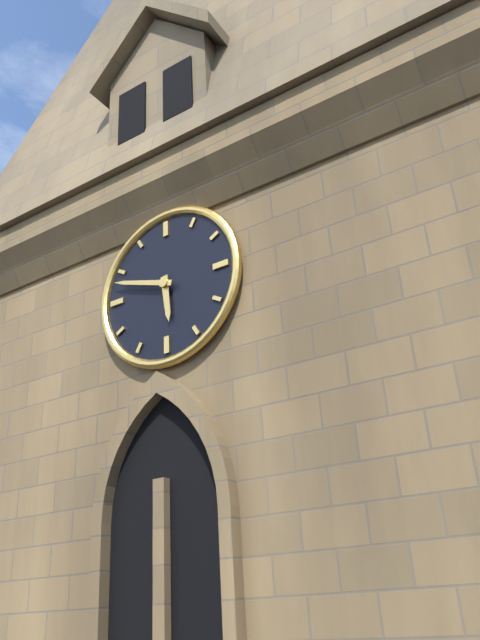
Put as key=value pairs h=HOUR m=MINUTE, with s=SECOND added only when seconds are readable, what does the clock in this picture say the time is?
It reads h=5 m=48
